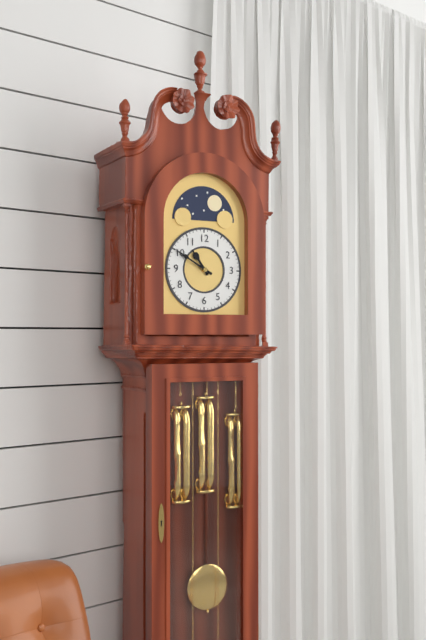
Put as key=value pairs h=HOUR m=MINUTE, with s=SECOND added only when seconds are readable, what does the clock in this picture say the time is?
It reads h=10 m=50
